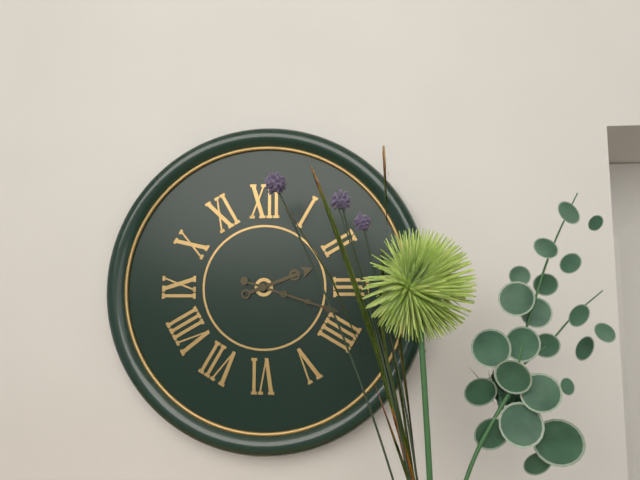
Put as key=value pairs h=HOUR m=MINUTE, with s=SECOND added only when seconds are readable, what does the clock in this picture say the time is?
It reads h=2 m=18
